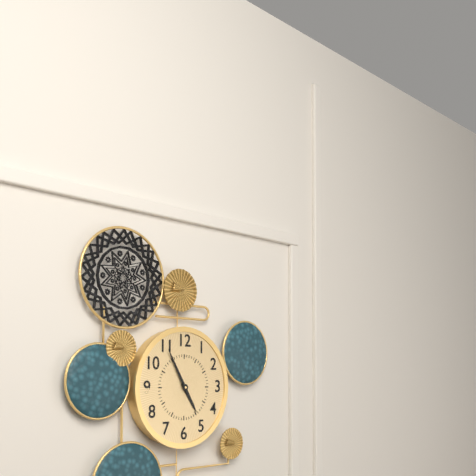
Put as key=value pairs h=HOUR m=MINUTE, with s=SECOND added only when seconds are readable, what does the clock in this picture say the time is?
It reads h=4 m=55
